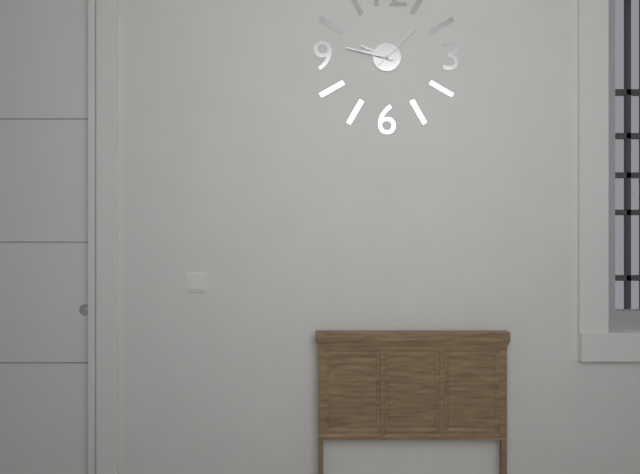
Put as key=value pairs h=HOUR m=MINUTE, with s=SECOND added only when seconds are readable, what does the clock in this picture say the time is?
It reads h=9 m=47
